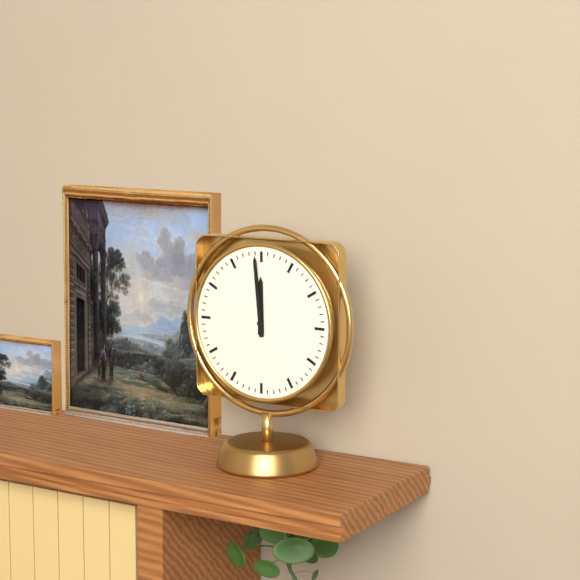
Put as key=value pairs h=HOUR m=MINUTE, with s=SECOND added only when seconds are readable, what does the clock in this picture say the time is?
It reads h=11 m=59
